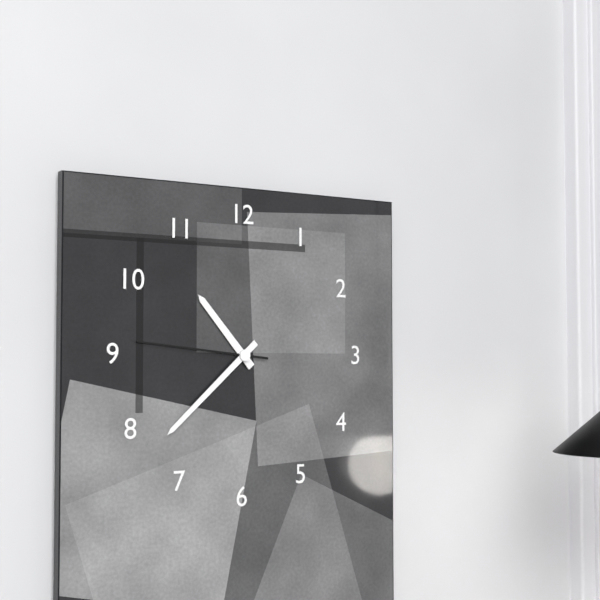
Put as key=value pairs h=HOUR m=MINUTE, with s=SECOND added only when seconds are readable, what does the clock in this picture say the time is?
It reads h=10 m=38 s=46
